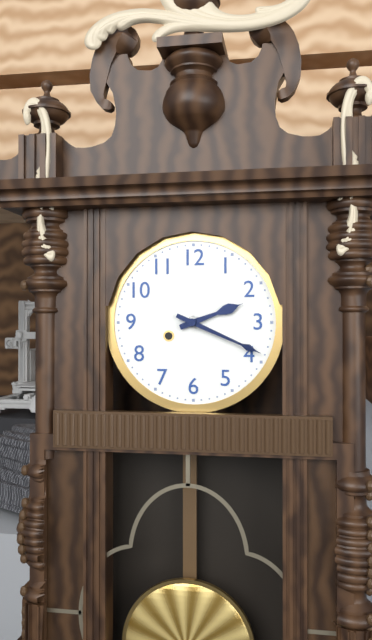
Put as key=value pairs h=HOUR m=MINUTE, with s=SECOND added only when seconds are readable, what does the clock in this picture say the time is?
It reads h=2 m=19
